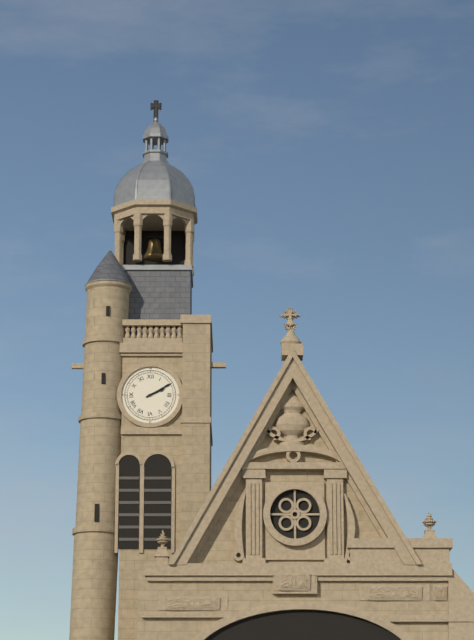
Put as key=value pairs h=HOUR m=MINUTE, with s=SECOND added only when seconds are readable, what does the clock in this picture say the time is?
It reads h=2 m=10
